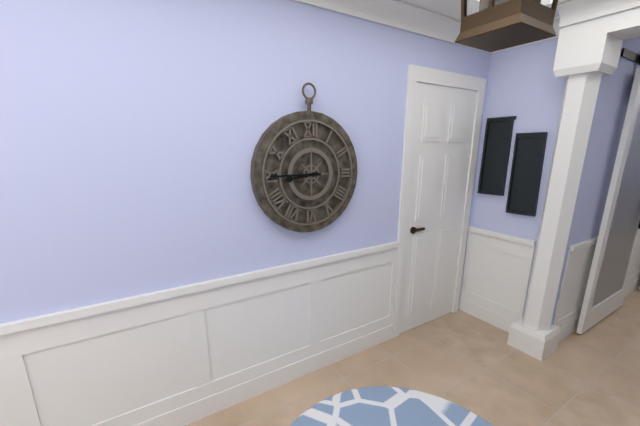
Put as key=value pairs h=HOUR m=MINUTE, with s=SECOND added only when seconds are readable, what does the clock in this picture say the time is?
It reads h=8 m=45
